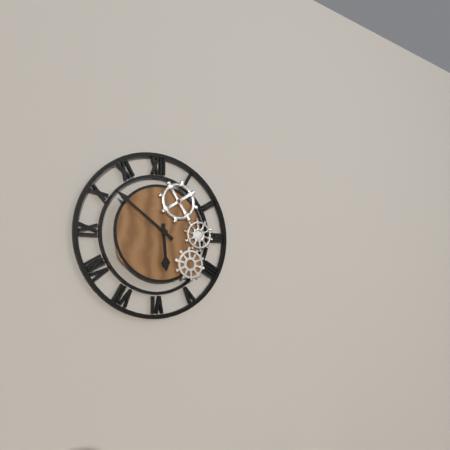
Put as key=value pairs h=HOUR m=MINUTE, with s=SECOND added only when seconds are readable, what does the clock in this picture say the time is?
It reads h=5 m=51
